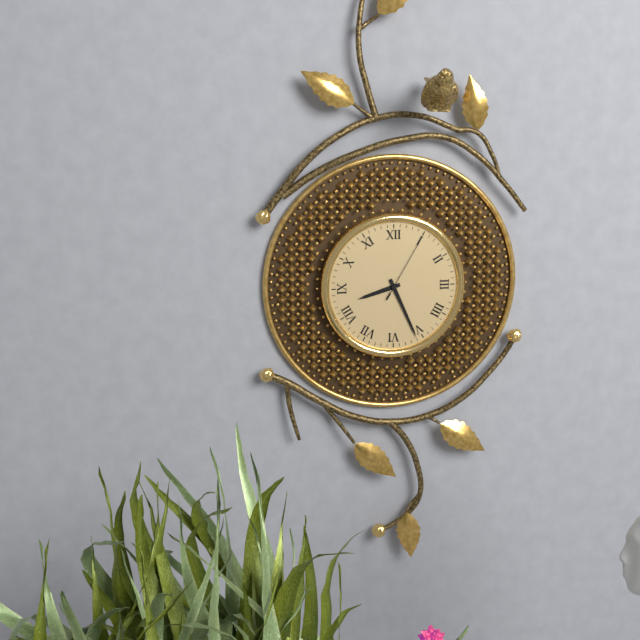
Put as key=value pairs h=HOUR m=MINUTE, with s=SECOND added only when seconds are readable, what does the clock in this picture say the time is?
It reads h=8 m=26 s=5
